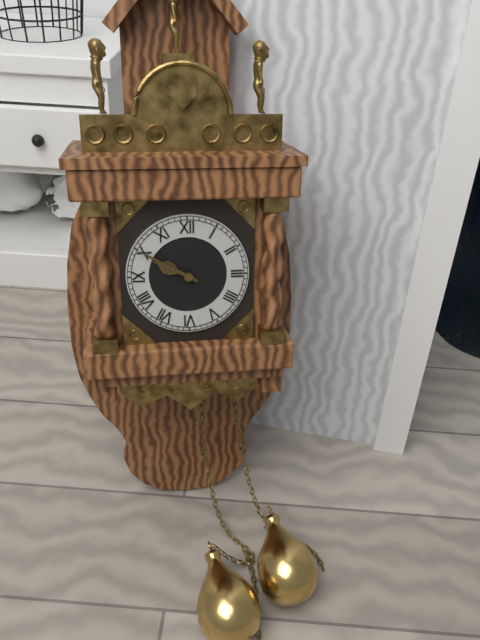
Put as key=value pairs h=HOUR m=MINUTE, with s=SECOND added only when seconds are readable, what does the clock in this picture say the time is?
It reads h=9 m=50
